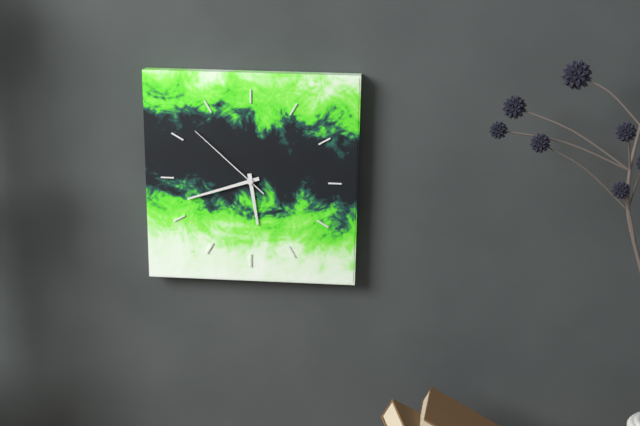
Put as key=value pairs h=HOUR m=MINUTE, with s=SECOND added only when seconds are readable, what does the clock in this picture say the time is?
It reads h=5 m=42 s=52
